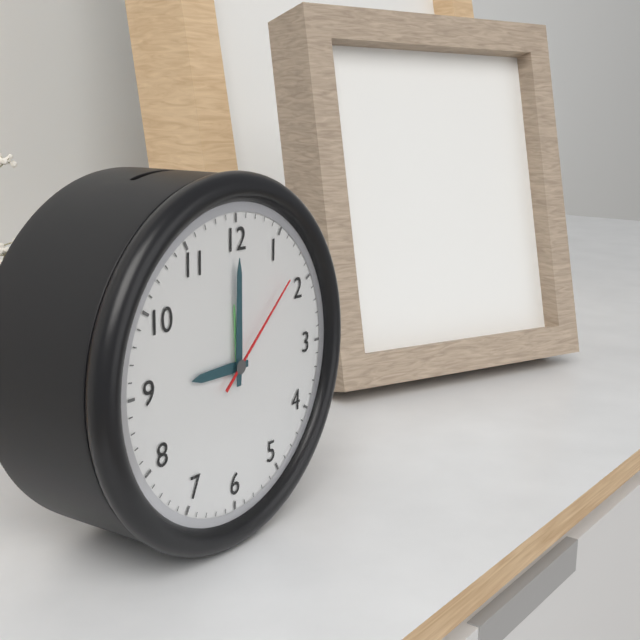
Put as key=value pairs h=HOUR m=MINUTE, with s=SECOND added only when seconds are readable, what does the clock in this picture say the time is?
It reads h=9 m=0 s=8
